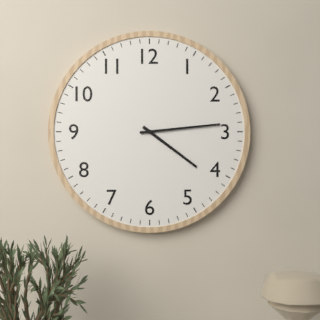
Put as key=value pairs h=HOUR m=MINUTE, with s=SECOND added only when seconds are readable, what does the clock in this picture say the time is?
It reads h=4 m=14
